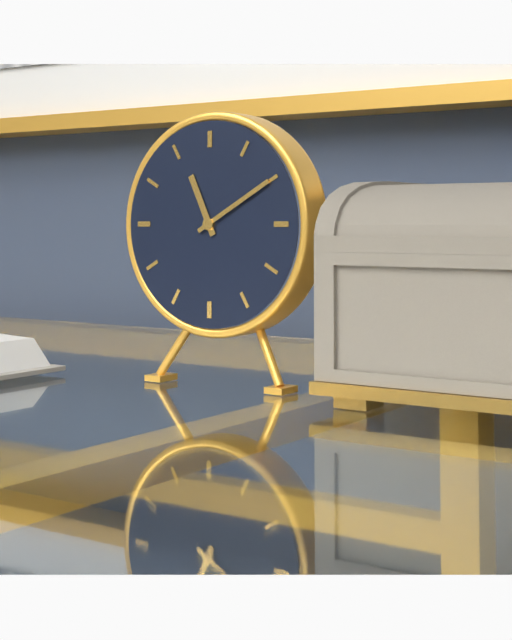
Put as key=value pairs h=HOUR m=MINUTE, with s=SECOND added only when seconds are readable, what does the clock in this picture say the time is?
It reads h=11 m=10
